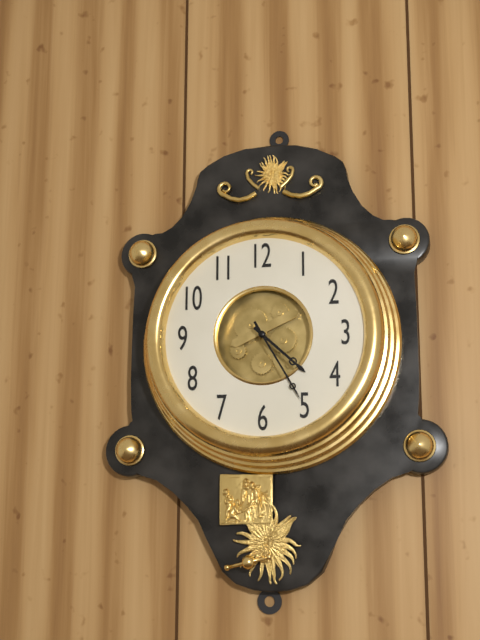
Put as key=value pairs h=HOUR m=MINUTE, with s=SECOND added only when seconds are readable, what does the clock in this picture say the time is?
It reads h=4 m=25
